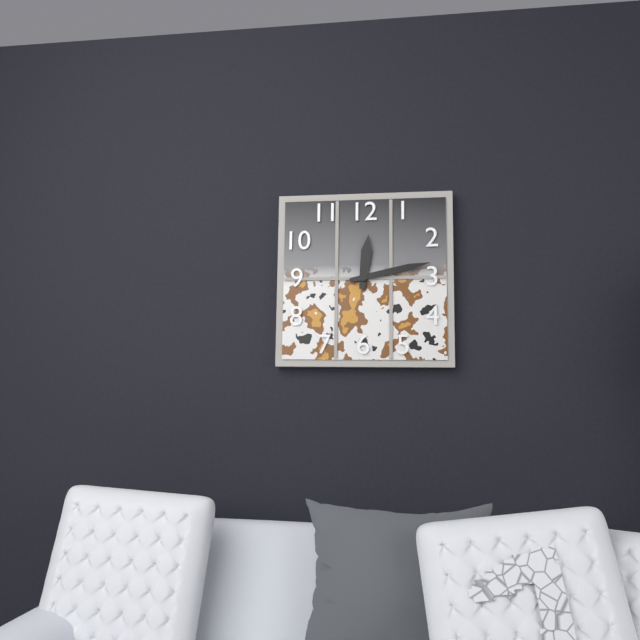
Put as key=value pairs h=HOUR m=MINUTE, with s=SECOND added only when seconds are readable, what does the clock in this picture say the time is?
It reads h=12 m=13
